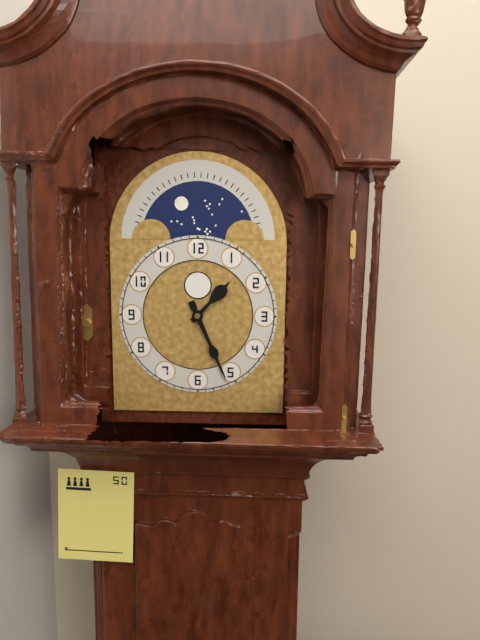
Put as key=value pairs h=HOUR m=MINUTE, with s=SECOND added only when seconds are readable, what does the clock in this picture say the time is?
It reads h=1 m=26
